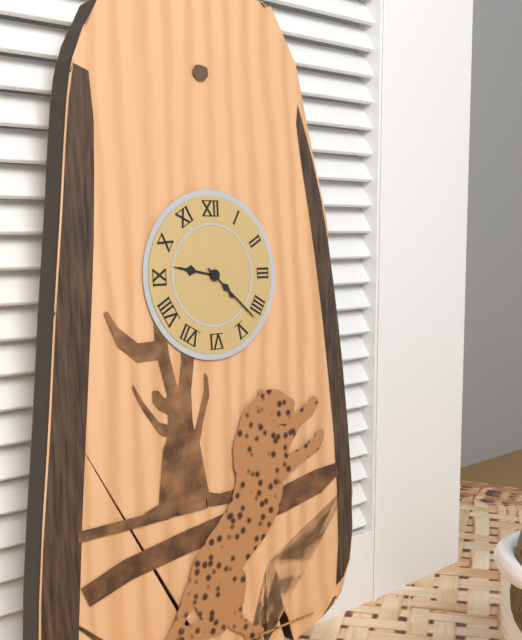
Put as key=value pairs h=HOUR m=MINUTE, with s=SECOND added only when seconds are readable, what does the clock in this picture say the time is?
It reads h=9 m=22
